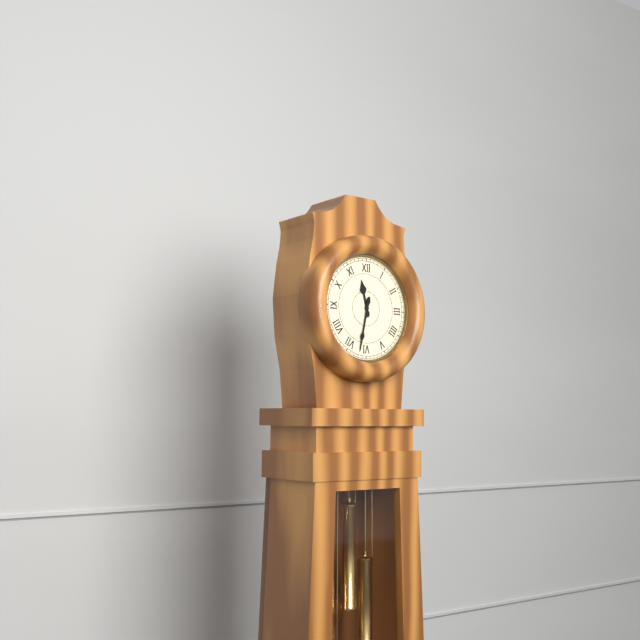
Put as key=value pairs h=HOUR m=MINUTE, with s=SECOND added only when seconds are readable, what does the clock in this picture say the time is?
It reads h=11 m=32
